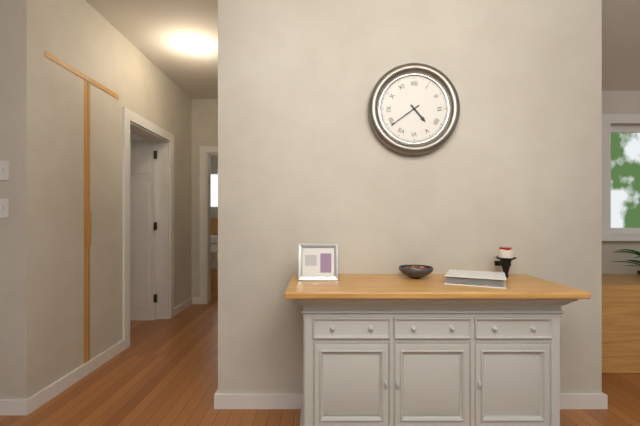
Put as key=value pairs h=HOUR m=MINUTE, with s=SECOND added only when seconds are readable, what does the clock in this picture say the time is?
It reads h=4 m=39
